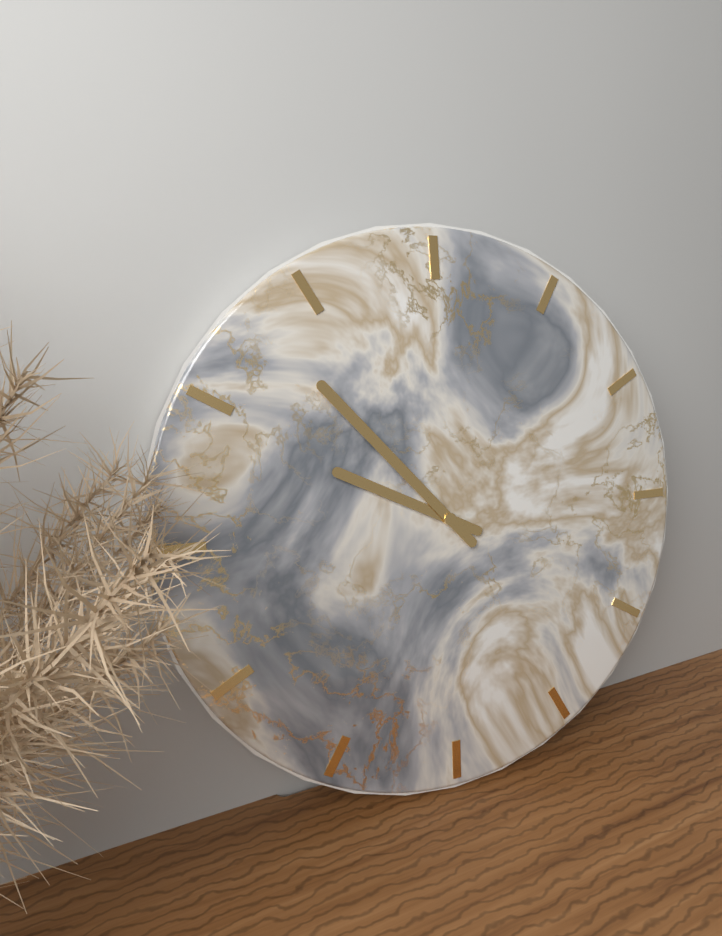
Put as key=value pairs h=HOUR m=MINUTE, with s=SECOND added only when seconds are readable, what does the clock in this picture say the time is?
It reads h=9 m=53
